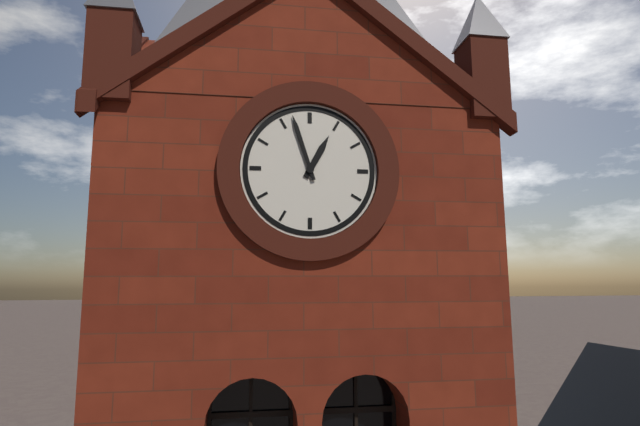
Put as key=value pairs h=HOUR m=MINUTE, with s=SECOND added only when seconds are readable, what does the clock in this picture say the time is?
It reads h=12 m=57
